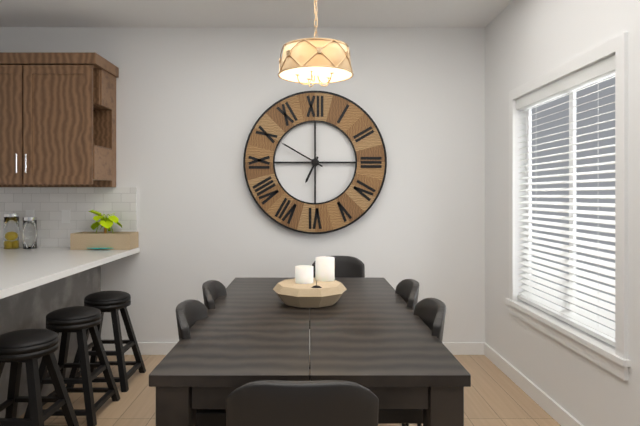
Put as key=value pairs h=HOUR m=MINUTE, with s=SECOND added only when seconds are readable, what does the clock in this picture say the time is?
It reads h=6 m=50
